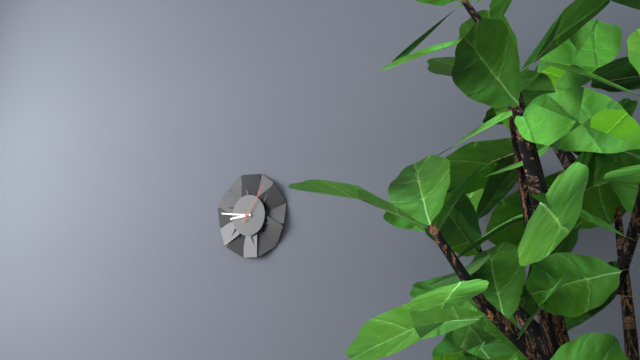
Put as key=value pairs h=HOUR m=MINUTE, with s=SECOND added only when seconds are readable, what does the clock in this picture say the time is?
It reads h=8 m=46
